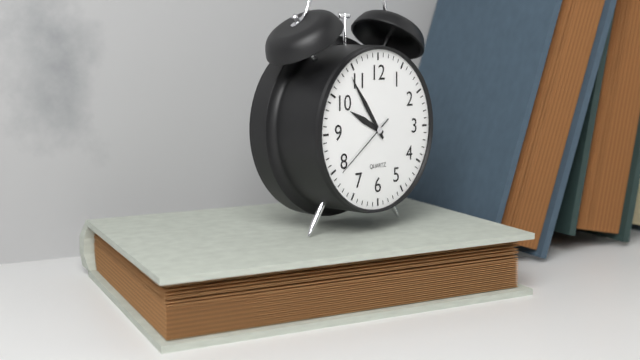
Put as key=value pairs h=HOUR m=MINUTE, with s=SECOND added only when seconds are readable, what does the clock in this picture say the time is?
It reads h=9 m=54 s=39
